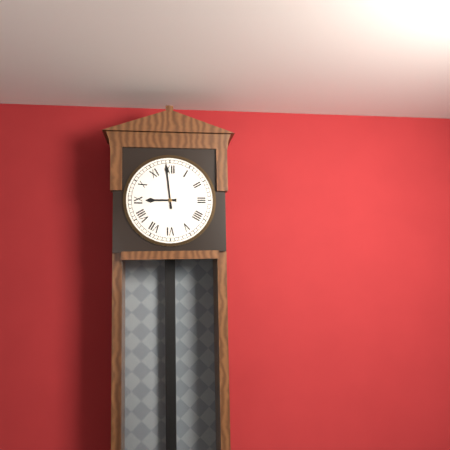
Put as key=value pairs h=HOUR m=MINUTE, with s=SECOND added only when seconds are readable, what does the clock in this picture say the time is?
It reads h=8 m=59
